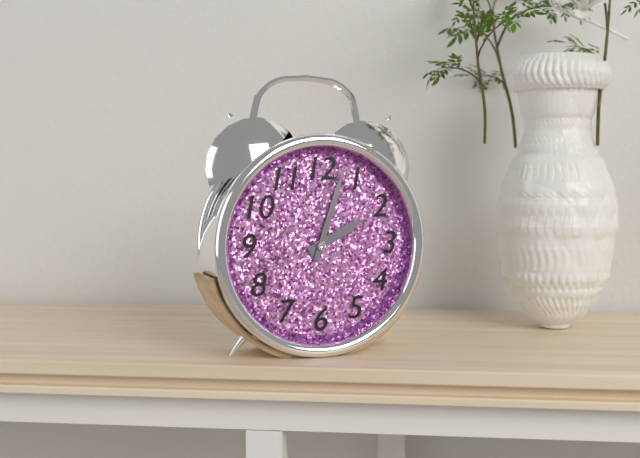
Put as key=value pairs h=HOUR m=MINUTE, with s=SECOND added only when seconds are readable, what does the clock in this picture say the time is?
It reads h=2 m=3
